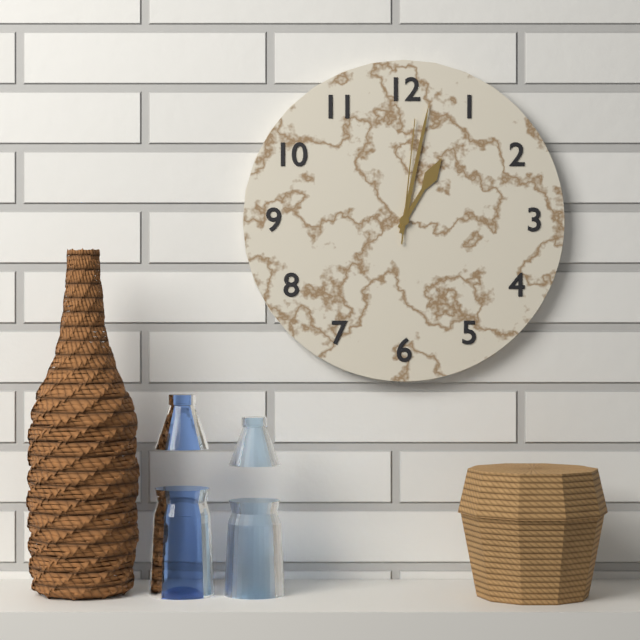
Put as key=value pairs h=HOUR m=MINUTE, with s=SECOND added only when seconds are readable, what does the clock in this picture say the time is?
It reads h=1 m=2 s=1
